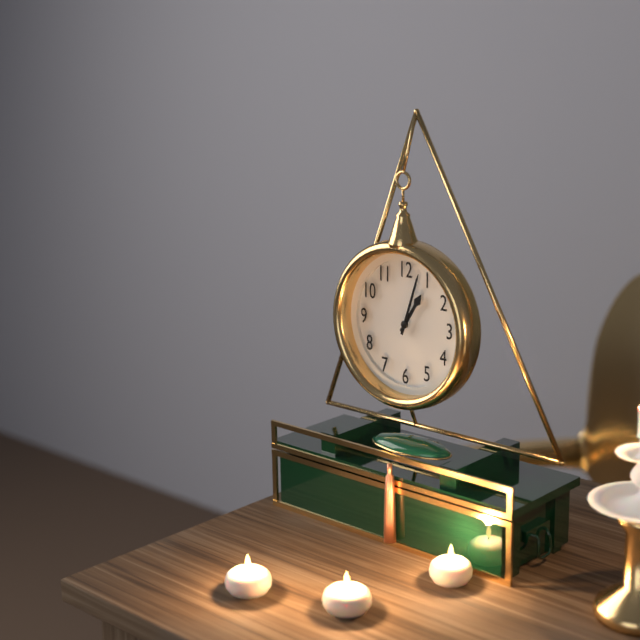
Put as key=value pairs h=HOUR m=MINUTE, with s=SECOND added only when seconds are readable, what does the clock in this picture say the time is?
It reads h=1 m=3
